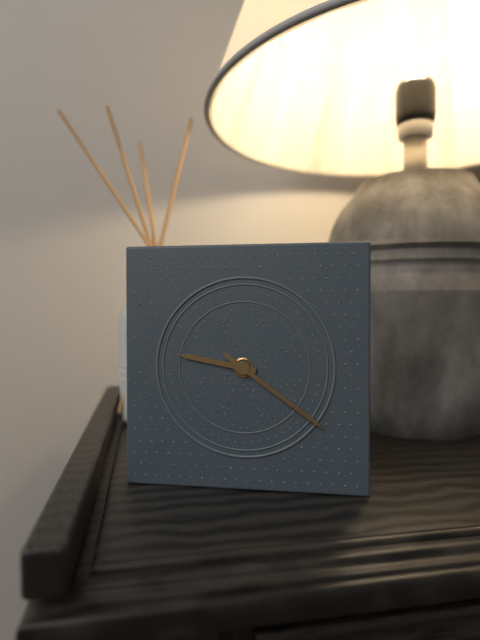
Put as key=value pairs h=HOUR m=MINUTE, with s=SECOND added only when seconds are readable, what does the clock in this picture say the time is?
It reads h=9 m=21
